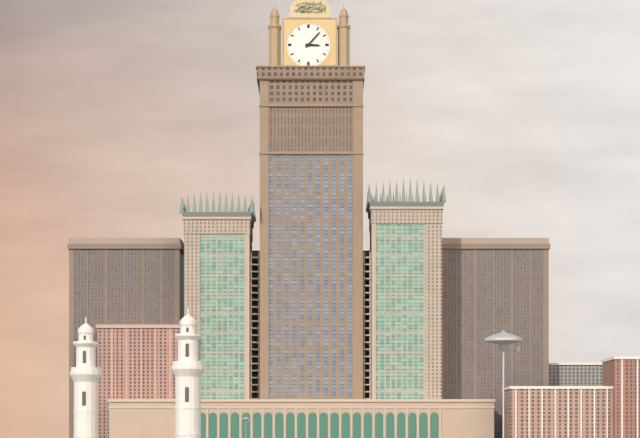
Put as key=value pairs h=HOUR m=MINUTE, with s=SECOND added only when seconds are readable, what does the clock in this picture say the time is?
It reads h=3 m=7
